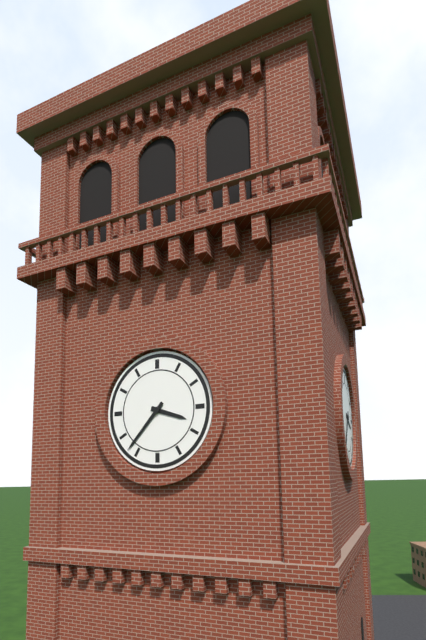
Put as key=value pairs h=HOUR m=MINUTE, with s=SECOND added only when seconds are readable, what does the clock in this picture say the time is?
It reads h=3 m=37
